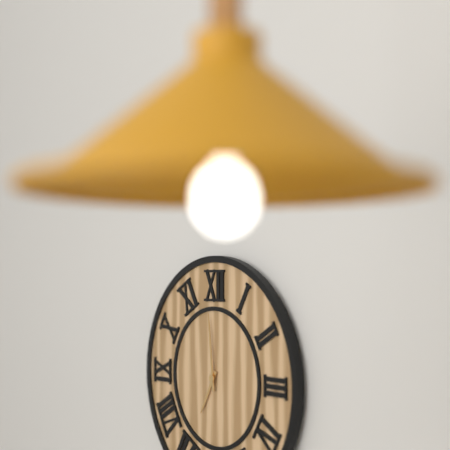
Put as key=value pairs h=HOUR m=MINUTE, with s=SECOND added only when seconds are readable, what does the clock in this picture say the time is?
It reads h=6 m=59
